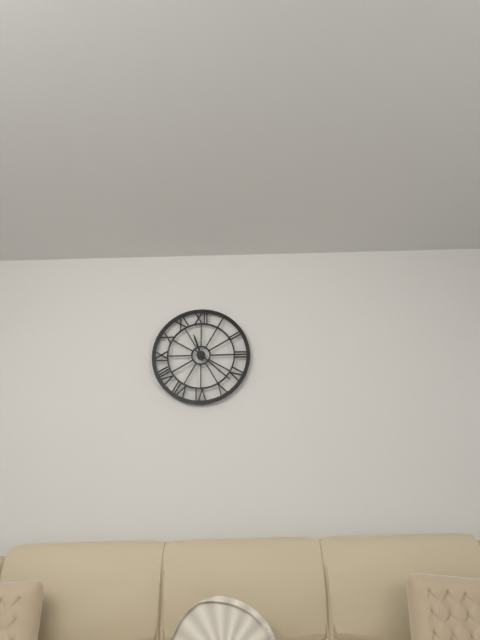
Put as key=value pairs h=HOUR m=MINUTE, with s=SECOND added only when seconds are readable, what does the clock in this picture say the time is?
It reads h=11 m=22
